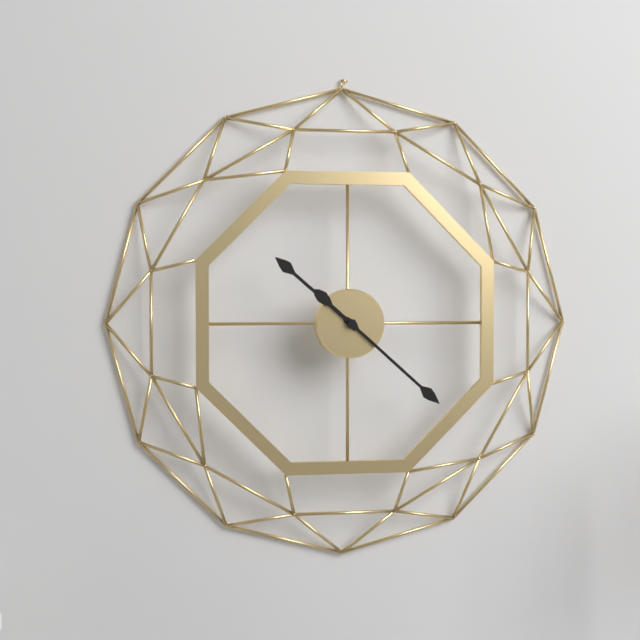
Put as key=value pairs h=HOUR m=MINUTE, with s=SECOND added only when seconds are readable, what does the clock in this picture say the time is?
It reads h=10 m=22
